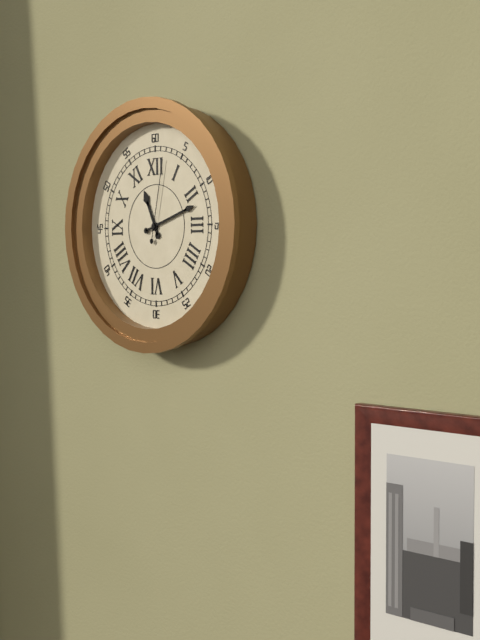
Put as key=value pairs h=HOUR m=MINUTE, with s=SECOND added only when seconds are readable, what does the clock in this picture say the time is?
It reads h=11 m=12 s=2
